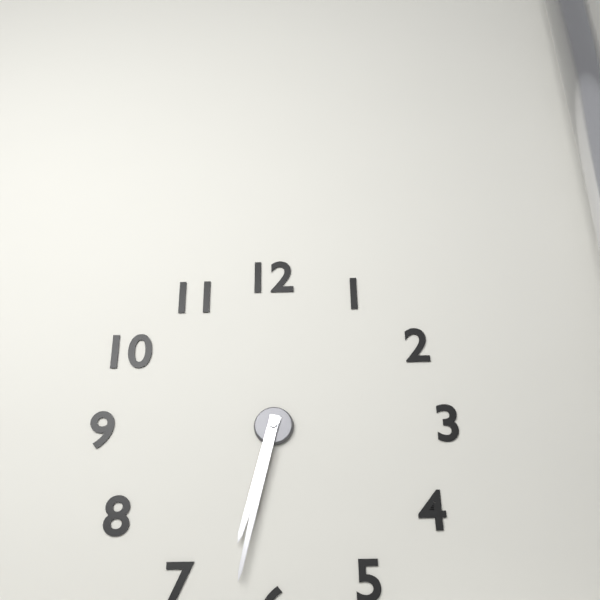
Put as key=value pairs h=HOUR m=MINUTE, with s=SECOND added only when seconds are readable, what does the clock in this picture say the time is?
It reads h=6 m=32
